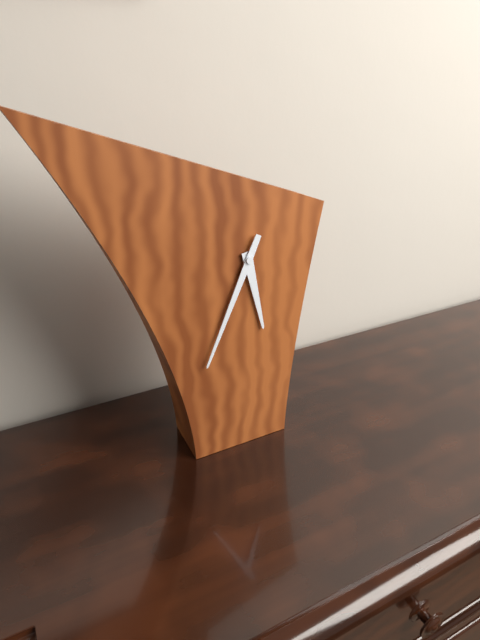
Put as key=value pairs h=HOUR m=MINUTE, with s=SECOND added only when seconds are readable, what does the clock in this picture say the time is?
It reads h=5 m=34
